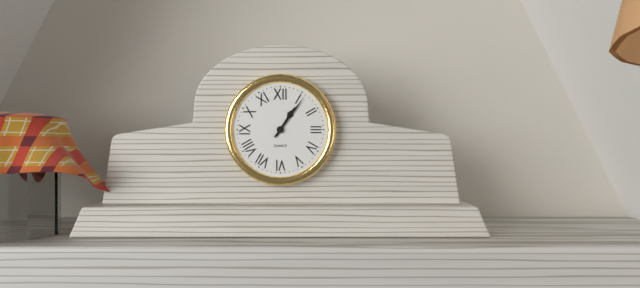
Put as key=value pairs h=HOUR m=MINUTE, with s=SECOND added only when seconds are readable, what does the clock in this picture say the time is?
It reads h=1 m=6
